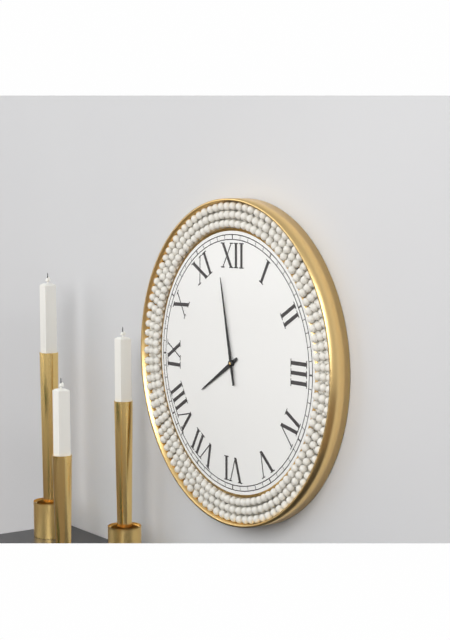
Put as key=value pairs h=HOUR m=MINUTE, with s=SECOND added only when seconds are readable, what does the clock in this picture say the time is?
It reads h=7 m=58
